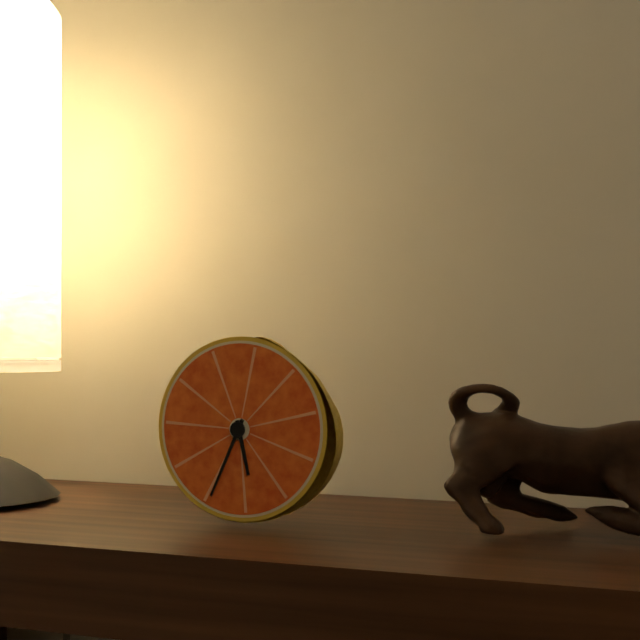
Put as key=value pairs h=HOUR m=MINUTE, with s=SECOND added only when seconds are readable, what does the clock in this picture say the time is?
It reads h=5 m=34
